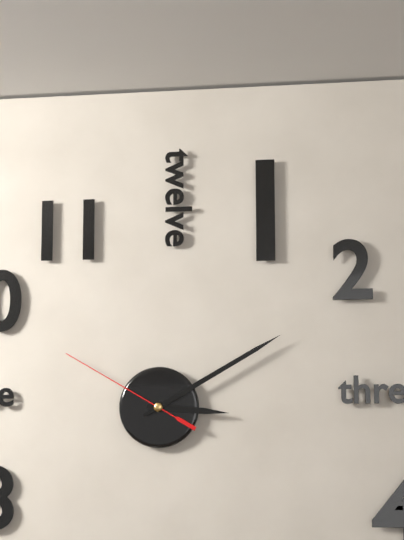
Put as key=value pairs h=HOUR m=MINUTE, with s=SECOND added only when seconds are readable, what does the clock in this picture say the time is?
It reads h=3 m=10 s=50
